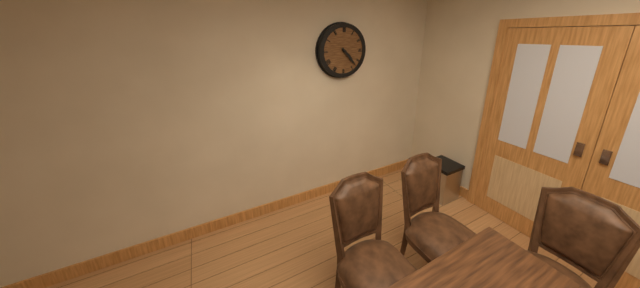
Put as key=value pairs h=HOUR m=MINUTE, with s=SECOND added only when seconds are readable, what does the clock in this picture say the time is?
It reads h=4 m=23
